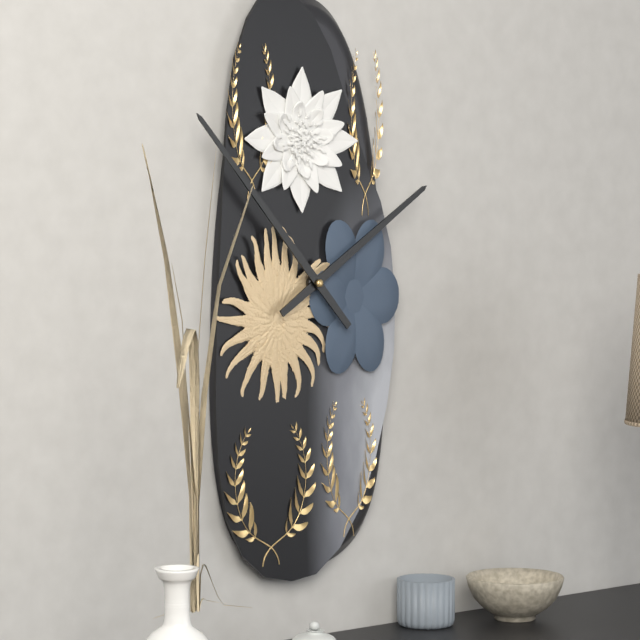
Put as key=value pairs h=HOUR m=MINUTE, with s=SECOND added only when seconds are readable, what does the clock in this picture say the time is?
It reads h=1 m=53
